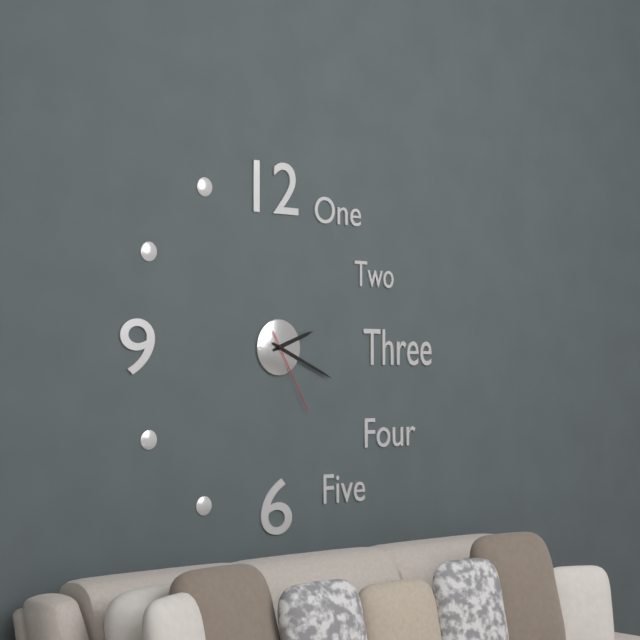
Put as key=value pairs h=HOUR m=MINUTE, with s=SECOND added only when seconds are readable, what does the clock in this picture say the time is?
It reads h=2 m=19 s=25
